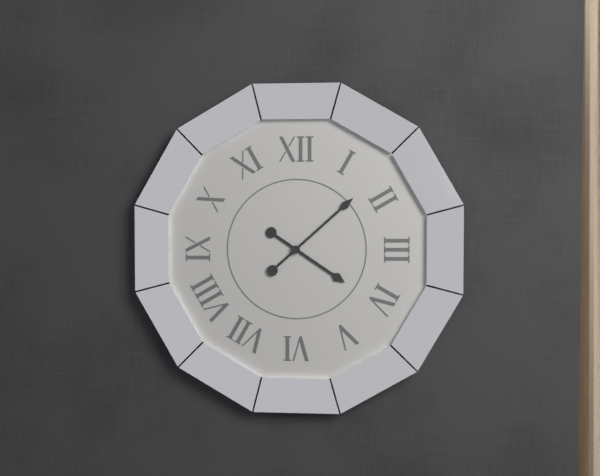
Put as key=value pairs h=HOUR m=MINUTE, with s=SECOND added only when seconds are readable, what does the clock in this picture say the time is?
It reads h=4 m=8
